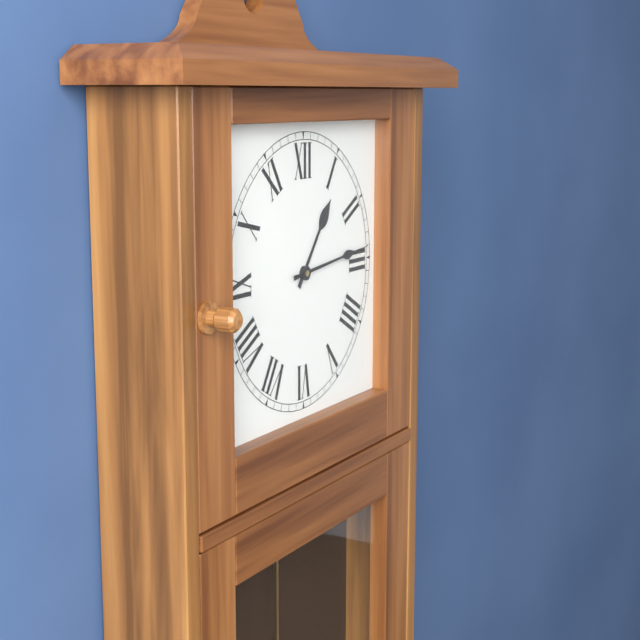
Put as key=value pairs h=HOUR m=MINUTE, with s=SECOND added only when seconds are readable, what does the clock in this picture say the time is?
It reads h=1 m=14
